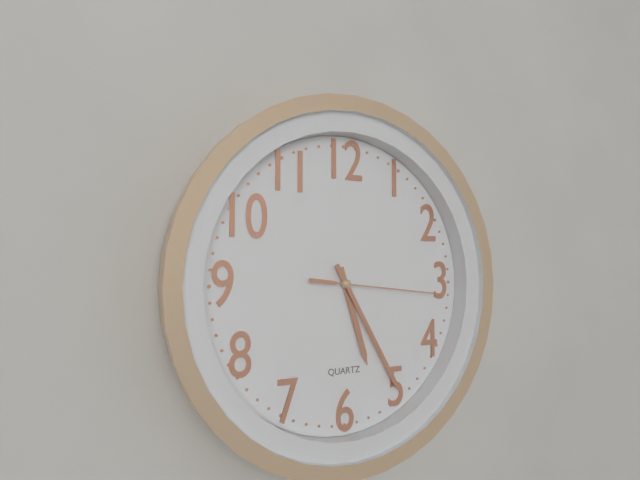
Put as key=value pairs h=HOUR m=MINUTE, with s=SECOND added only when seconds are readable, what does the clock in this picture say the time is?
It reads h=5 m=25 s=16
